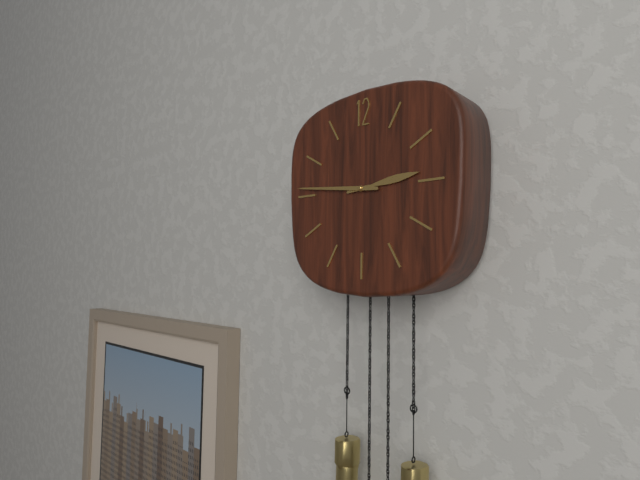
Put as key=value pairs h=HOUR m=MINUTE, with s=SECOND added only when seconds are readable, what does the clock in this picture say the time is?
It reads h=2 m=46
